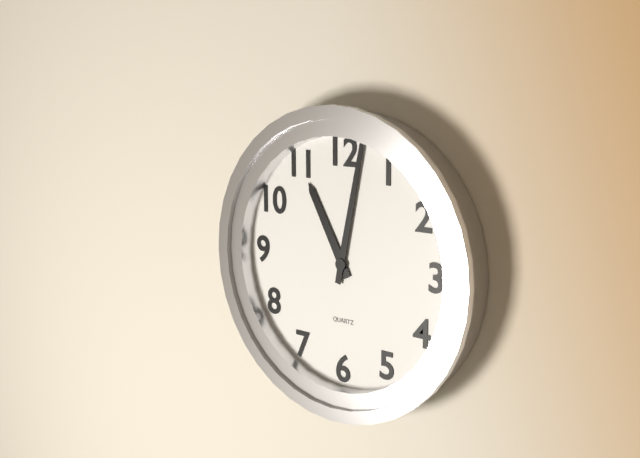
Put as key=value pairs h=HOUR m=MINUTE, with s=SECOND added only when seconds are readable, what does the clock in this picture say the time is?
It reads h=11 m=2
